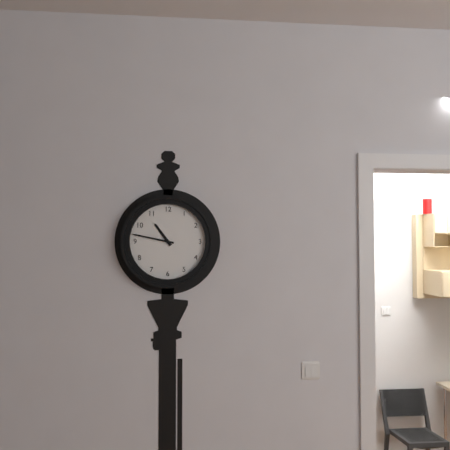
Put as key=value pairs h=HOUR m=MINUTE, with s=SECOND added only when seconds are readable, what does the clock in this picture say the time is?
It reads h=10 m=47
